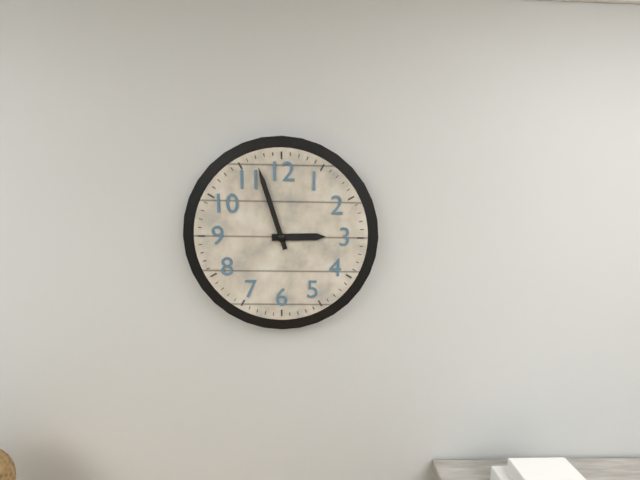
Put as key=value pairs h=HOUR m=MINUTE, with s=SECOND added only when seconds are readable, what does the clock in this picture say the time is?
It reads h=2 m=57
